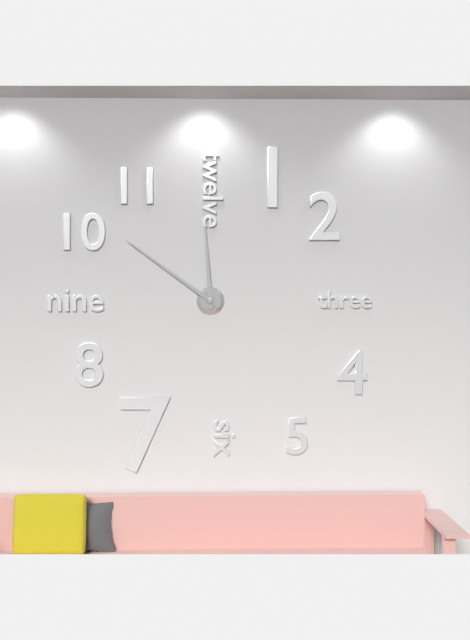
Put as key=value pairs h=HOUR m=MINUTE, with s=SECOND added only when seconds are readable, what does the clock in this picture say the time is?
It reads h=11 m=51
